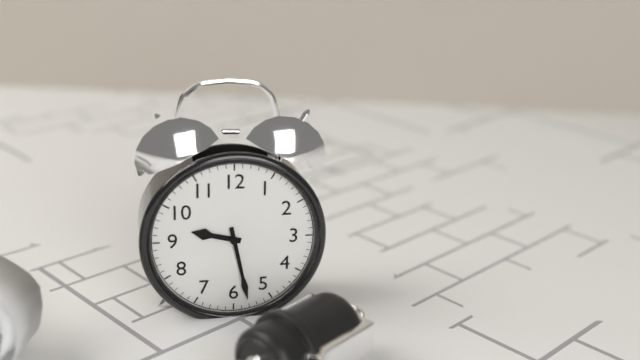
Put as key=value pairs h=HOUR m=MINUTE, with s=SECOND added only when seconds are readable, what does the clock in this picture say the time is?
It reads h=9 m=28
